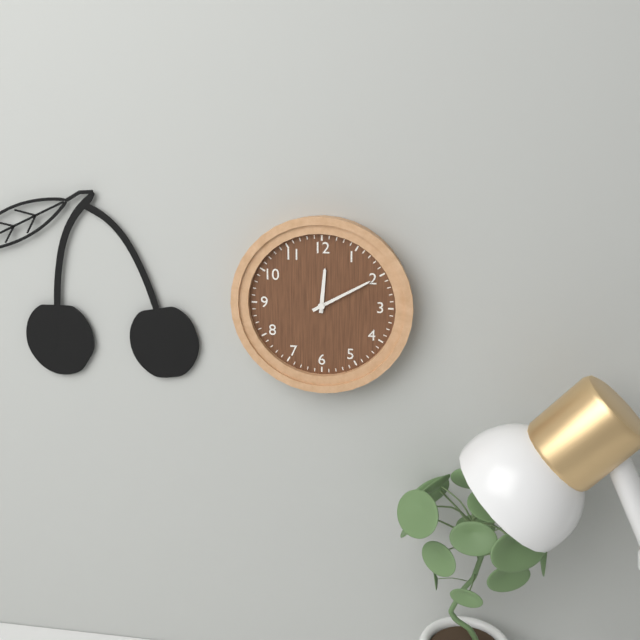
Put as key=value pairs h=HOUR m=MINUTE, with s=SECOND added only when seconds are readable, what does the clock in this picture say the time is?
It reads h=12 m=10
